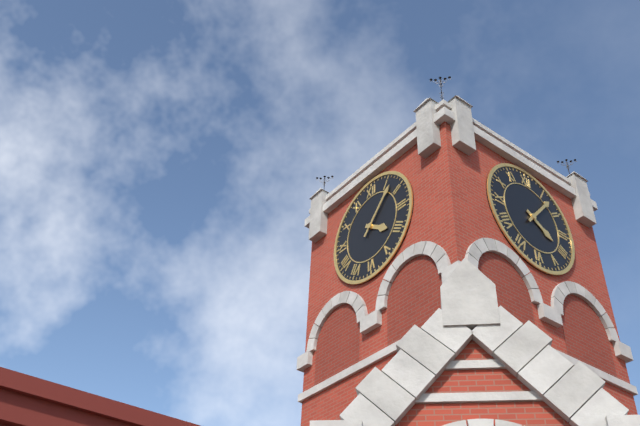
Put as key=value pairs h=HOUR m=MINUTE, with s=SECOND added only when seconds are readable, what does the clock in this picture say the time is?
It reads h=4 m=7
